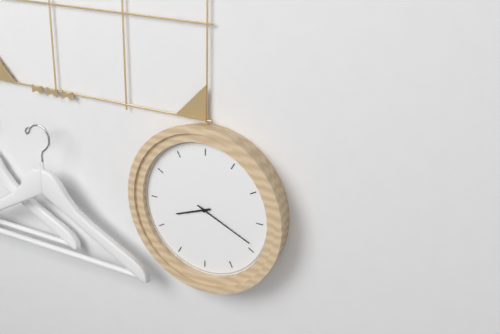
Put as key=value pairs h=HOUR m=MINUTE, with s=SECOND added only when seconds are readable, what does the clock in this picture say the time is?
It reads h=8 m=19
